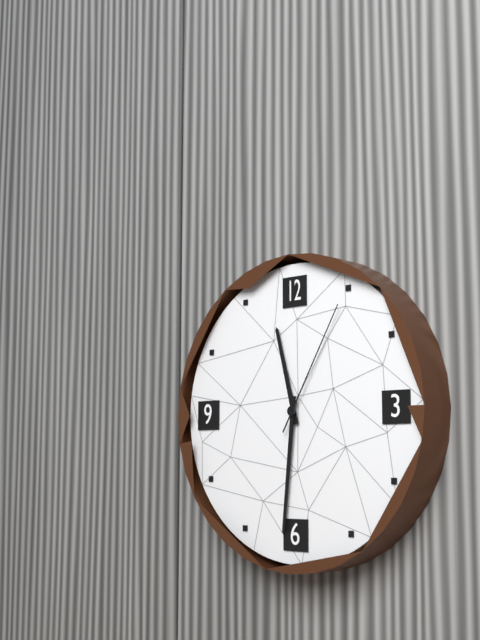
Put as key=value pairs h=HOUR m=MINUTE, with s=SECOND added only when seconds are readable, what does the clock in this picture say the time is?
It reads h=11 m=31 s=5
